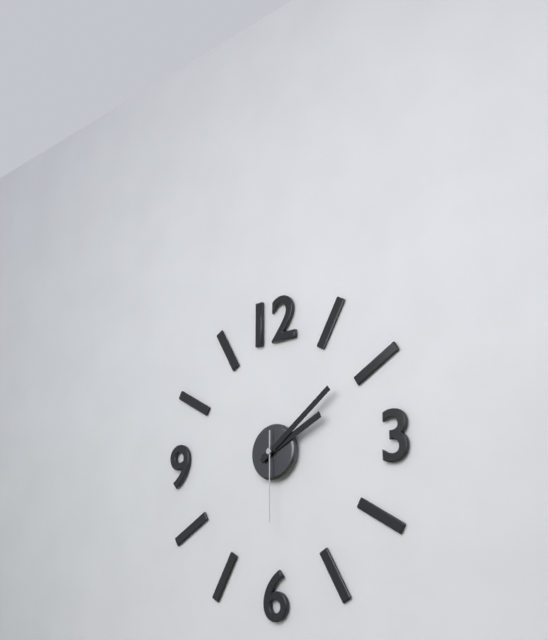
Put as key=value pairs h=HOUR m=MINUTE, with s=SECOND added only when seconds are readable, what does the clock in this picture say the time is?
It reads h=2 m=9 s=30
